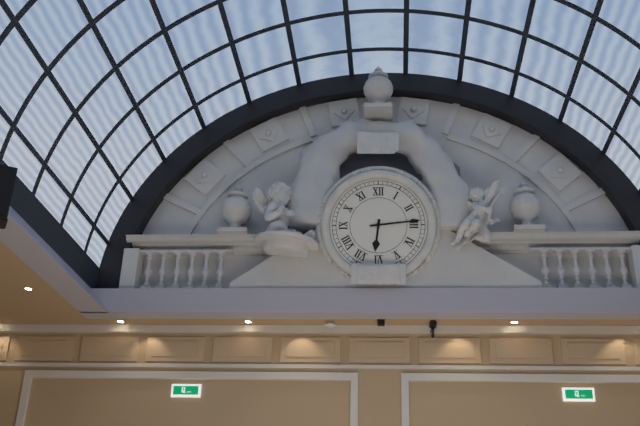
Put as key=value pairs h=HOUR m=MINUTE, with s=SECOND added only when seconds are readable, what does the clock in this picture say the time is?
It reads h=6 m=14
